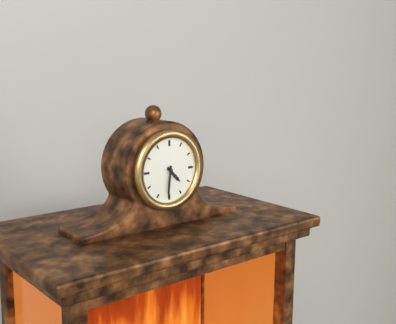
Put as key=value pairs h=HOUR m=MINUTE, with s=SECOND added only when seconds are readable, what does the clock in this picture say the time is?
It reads h=4 m=31
